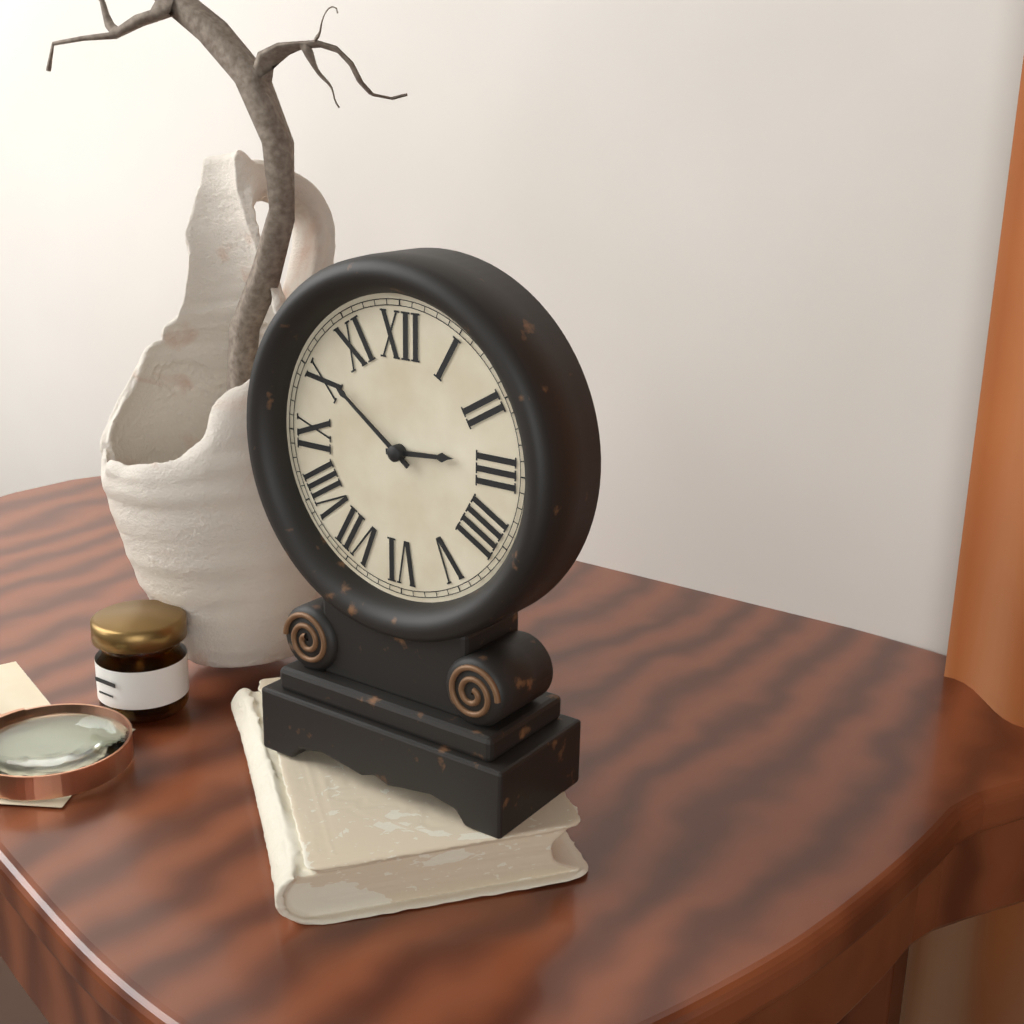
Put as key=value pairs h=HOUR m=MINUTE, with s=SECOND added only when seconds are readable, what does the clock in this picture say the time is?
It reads h=2 m=51
